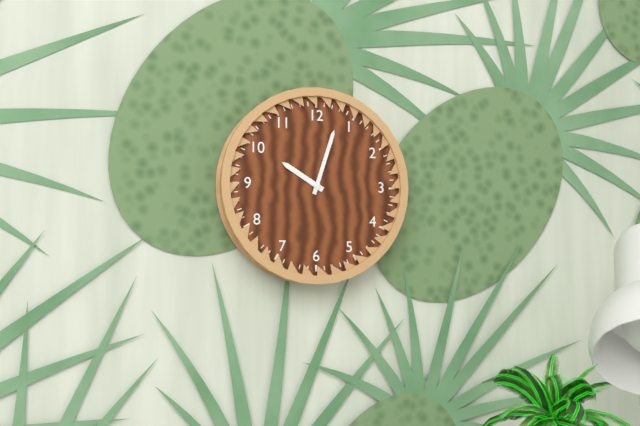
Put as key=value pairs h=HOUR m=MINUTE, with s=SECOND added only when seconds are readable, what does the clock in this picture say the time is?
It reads h=10 m=3
